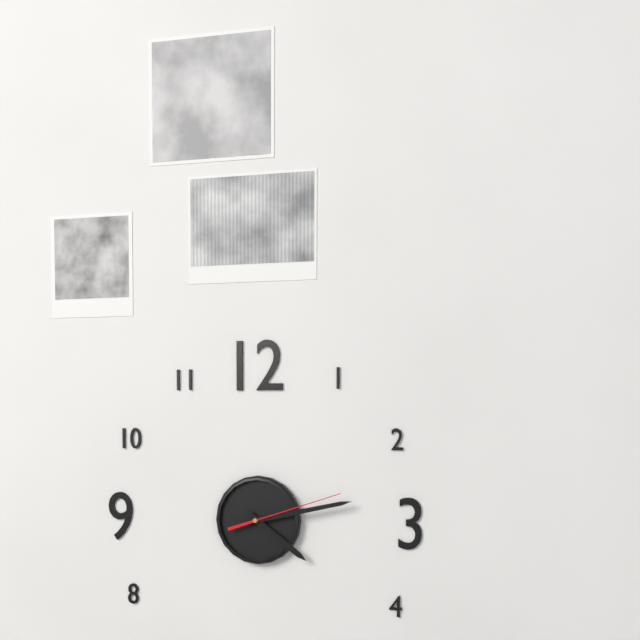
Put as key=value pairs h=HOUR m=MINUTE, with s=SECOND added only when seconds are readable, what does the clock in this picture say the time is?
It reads h=4 m=13 s=12
